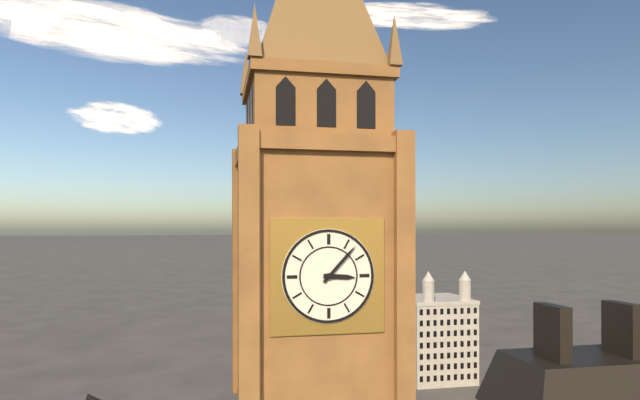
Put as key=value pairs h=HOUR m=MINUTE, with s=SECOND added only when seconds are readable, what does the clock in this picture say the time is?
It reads h=3 m=7
